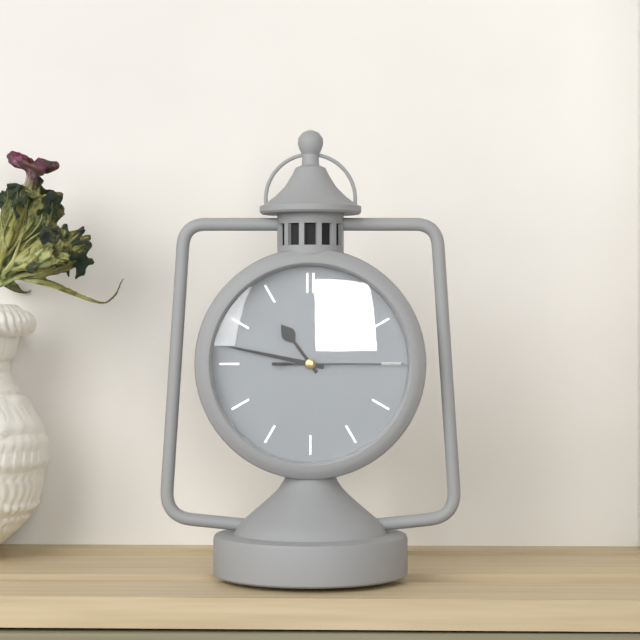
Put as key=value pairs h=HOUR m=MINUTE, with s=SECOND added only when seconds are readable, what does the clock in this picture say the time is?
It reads h=10 m=47 s=15
